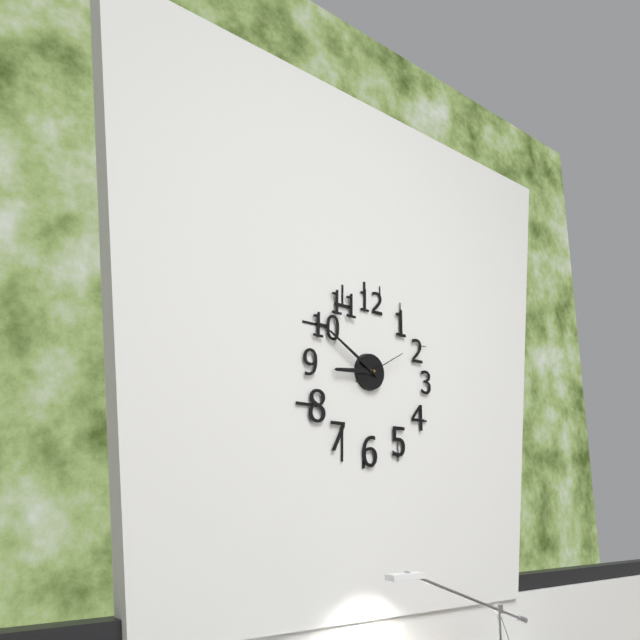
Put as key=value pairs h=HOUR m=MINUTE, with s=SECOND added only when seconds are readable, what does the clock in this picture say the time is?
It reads h=8 m=50
